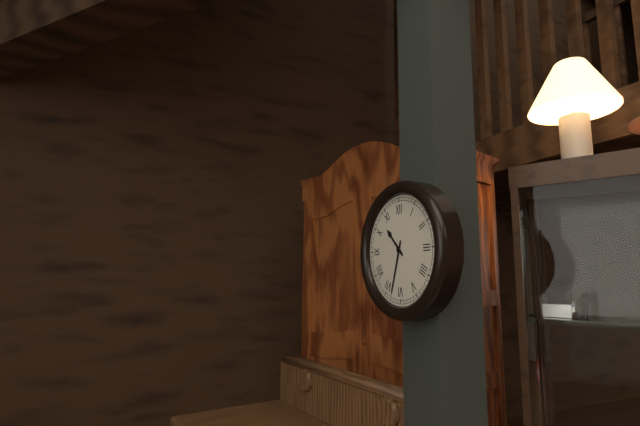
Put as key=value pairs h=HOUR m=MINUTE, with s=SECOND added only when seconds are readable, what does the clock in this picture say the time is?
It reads h=10 m=33
